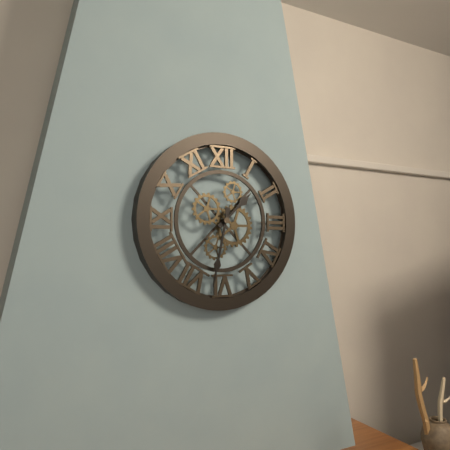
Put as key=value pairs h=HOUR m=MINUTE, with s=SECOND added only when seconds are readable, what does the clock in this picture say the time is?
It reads h=1 m=32
